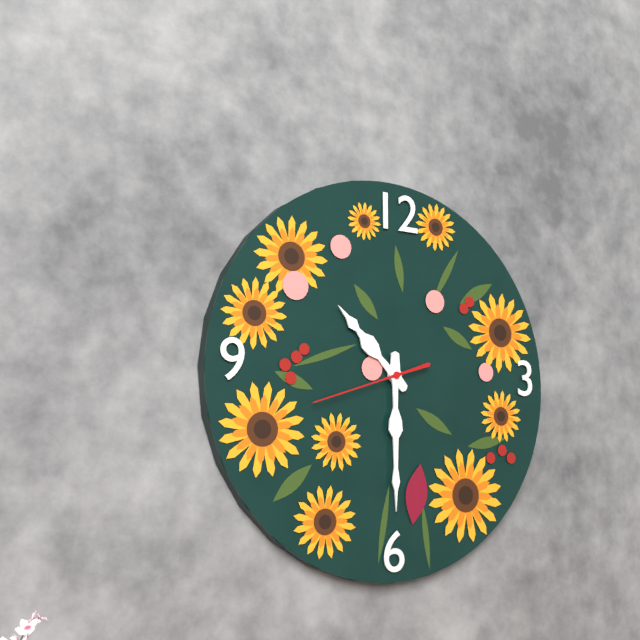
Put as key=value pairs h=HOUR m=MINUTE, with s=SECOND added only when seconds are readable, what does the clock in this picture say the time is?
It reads h=10 m=30 s=42
